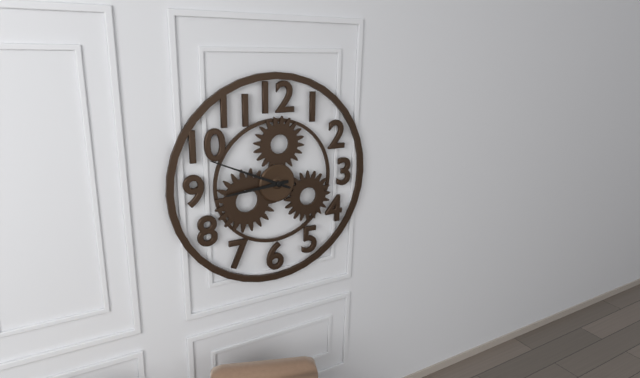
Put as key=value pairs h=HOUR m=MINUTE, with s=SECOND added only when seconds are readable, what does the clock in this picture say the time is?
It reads h=8 m=49
